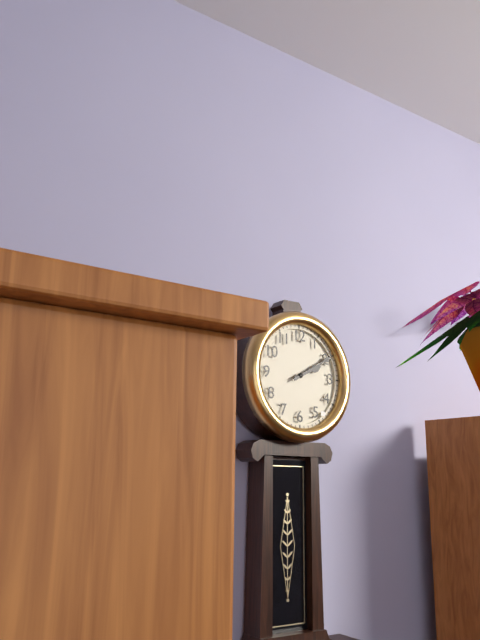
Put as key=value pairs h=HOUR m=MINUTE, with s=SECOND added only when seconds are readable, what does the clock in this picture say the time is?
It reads h=2 m=10
